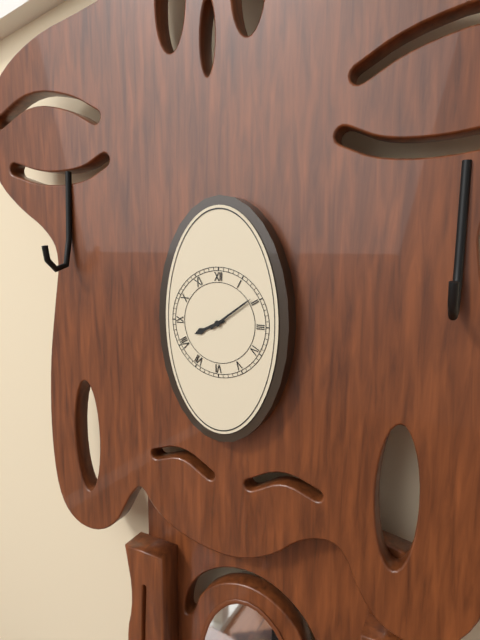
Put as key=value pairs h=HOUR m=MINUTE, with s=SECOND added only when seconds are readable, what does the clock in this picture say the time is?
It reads h=8 m=9
